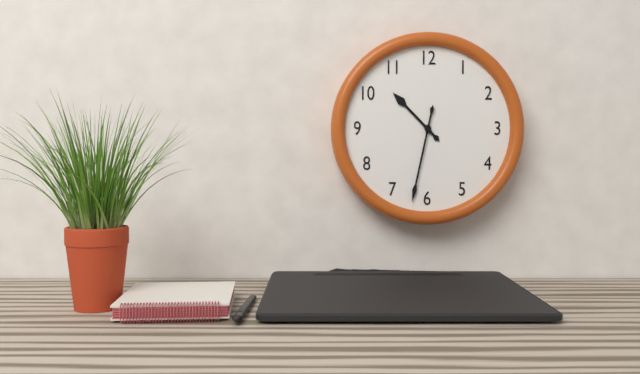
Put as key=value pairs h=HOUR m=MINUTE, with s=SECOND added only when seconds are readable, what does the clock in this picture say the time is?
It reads h=10 m=32
